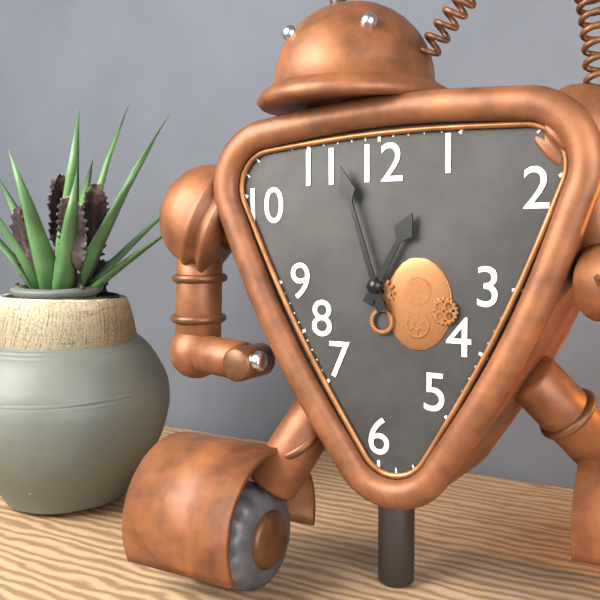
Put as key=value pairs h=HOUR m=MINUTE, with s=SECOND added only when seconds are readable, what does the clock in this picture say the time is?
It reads h=12 m=57
